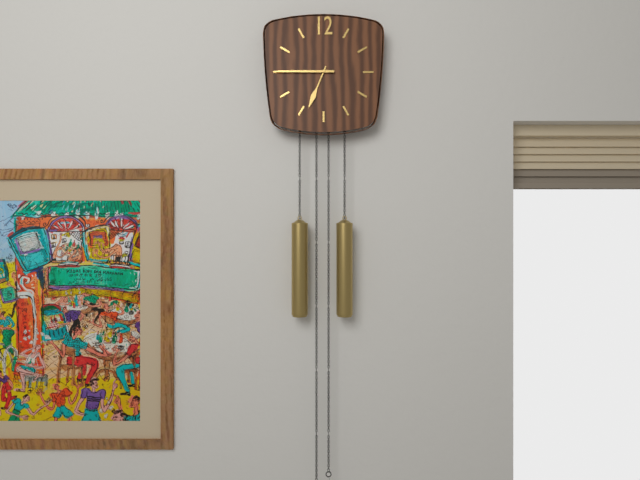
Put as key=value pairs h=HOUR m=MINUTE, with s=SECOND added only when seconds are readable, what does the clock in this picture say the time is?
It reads h=6 m=45
